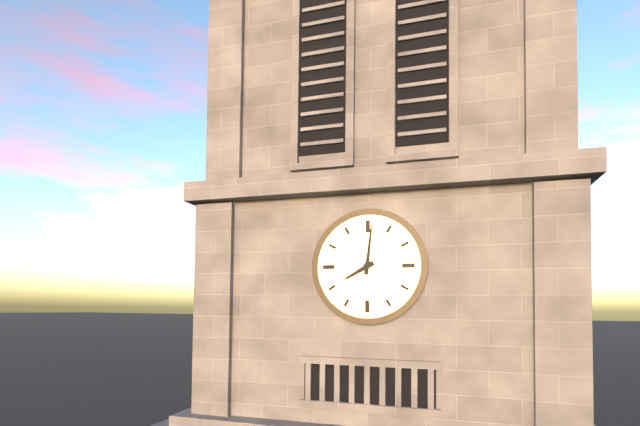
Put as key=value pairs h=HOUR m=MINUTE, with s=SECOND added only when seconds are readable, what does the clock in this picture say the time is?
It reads h=8 m=1
